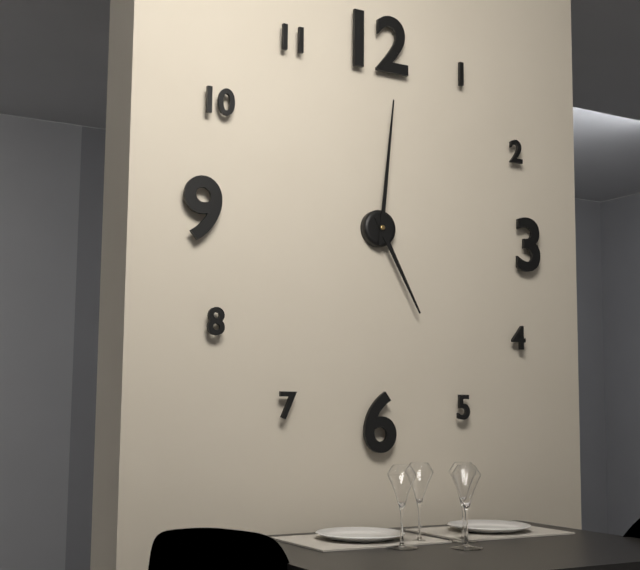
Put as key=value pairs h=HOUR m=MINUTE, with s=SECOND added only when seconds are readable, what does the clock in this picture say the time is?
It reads h=5 m=1
